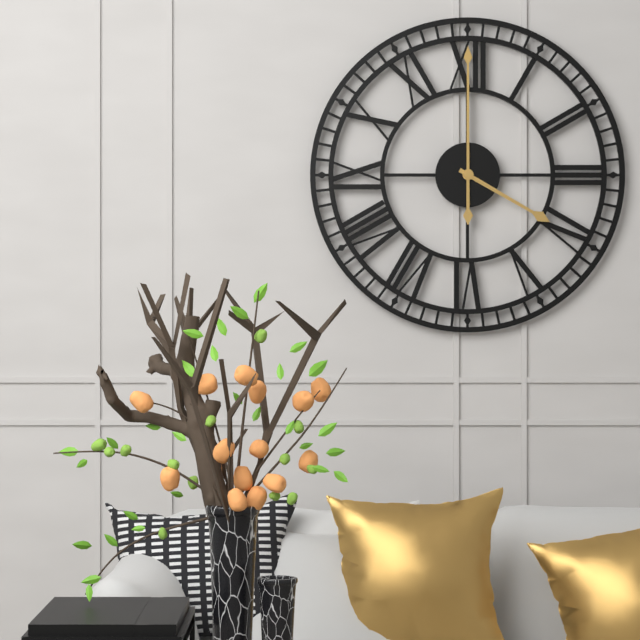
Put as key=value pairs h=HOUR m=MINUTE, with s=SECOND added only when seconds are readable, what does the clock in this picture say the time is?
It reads h=4 m=0
